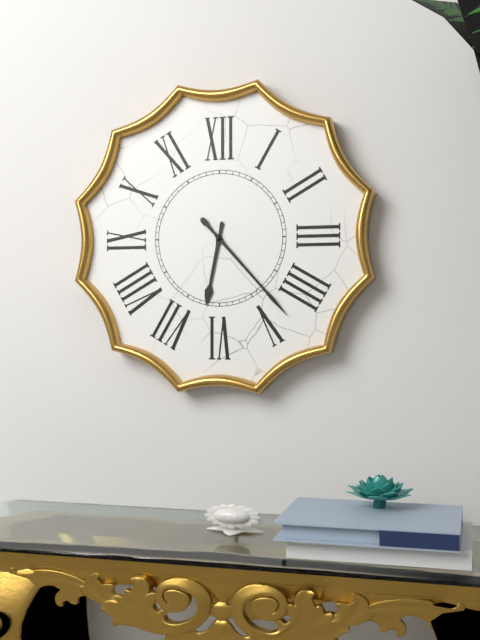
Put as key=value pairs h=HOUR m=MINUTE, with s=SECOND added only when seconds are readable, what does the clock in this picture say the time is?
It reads h=6 m=23
